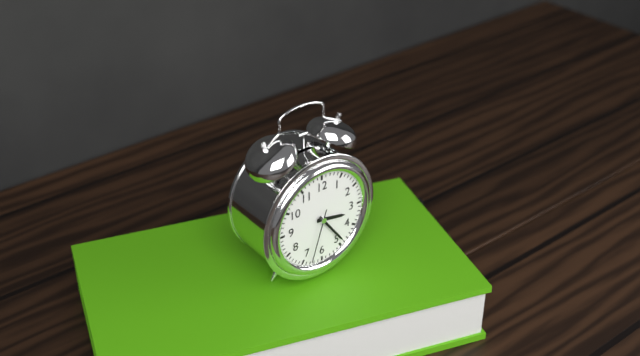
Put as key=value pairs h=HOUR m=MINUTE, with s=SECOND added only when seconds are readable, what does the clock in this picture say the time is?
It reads h=3 m=24 s=33
